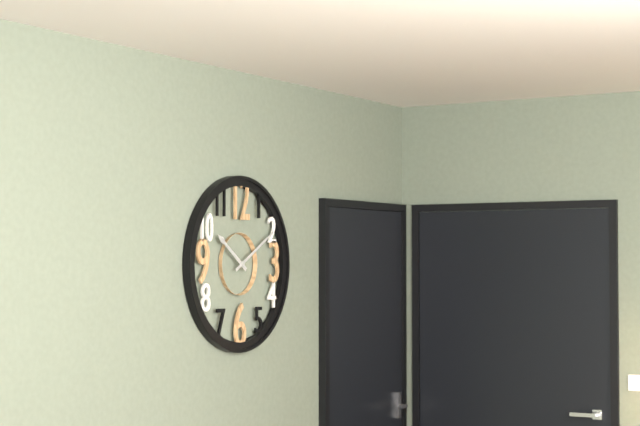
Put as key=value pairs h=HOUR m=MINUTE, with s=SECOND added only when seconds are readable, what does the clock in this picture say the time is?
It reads h=10 m=10
